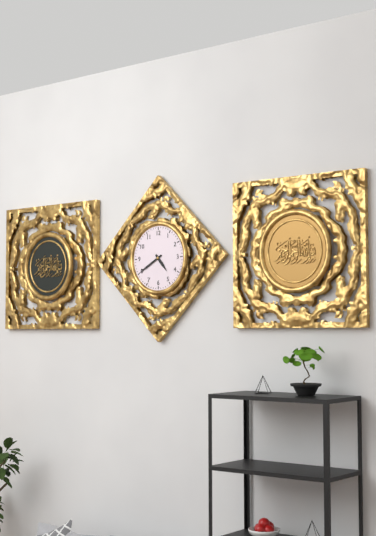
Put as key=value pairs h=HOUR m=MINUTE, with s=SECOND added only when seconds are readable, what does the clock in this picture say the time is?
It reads h=4 m=40
